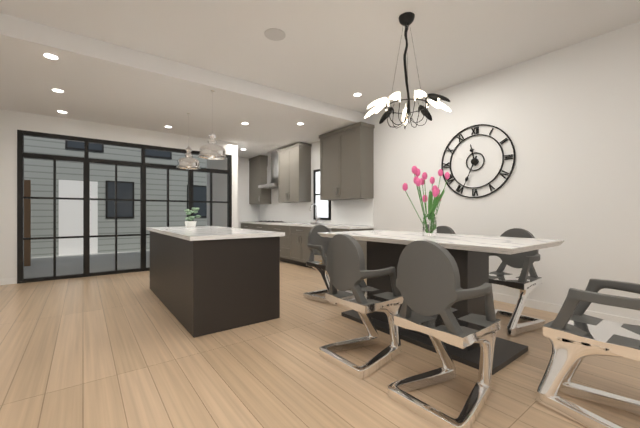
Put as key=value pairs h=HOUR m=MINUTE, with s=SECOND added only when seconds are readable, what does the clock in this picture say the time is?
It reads h=11 m=34
